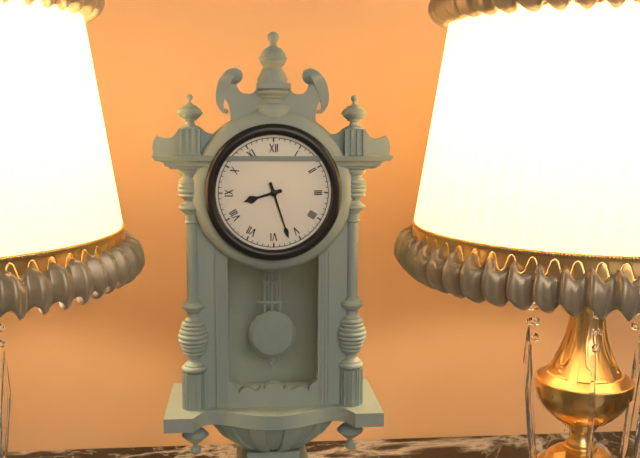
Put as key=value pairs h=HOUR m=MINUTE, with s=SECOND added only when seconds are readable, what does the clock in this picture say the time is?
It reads h=8 m=27
